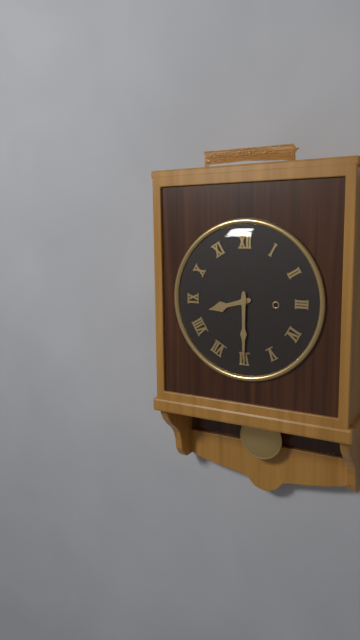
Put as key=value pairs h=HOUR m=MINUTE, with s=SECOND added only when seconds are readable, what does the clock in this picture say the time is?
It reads h=8 m=30
